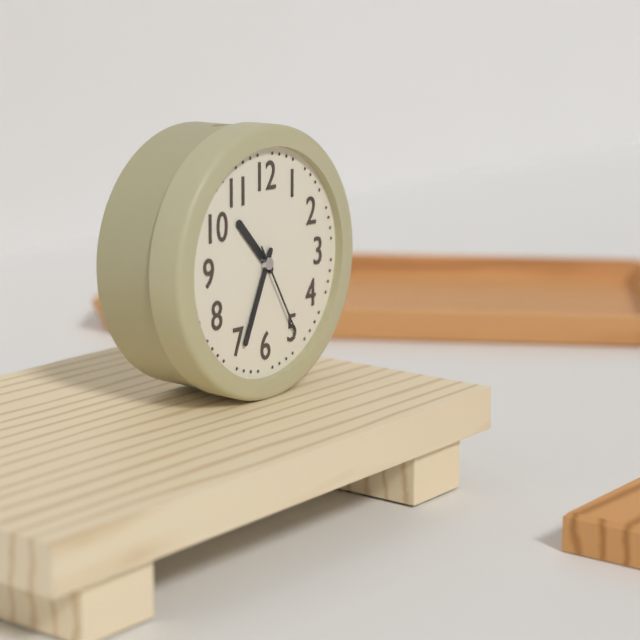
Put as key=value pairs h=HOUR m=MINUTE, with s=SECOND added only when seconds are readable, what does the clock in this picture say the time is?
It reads h=10 m=34 s=25
